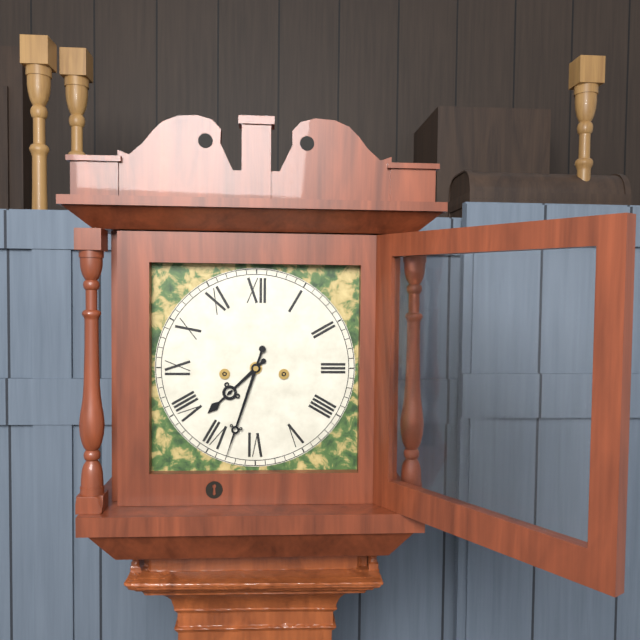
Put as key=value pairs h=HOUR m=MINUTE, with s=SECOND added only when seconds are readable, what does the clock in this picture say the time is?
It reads h=7 m=33
